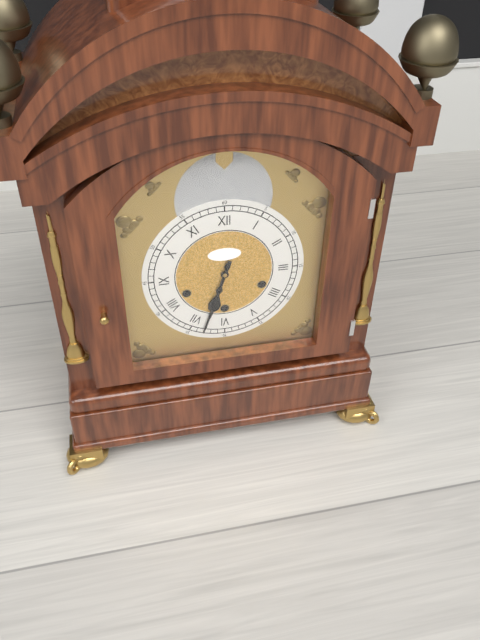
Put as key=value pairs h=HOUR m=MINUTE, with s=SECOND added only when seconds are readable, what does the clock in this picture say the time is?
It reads h=6 m=33
